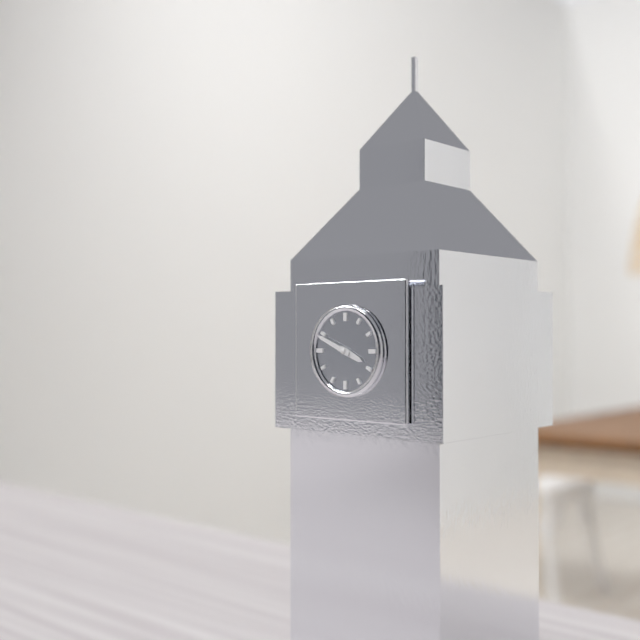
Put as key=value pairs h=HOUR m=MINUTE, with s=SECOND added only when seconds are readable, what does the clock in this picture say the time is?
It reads h=3 m=49
